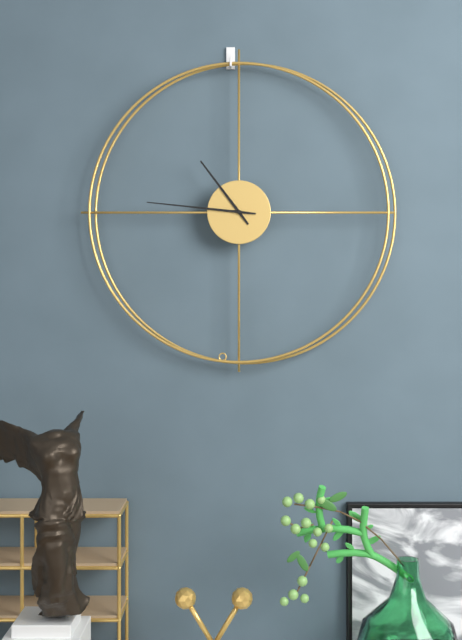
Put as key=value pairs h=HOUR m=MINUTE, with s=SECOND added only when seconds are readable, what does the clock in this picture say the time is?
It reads h=10 m=46
